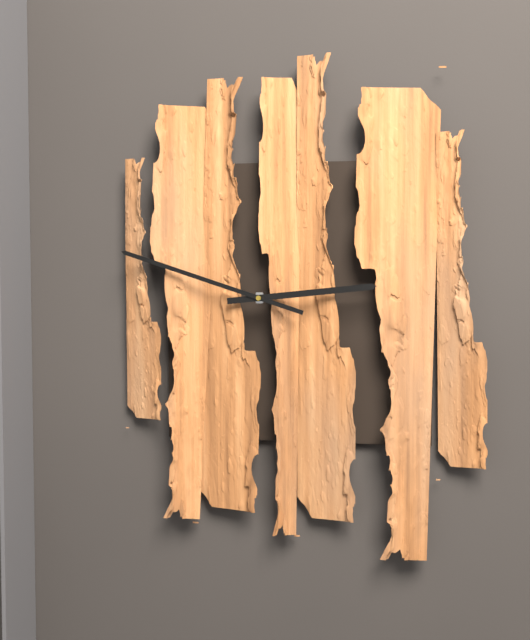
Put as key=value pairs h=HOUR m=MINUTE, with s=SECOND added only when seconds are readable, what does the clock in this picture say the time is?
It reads h=2 m=48
